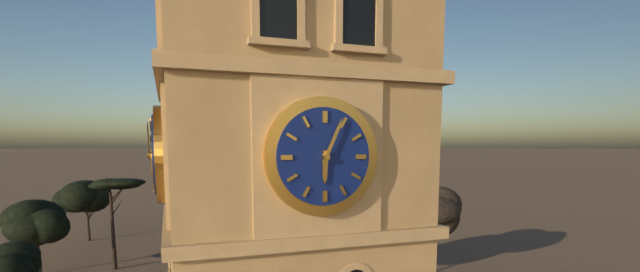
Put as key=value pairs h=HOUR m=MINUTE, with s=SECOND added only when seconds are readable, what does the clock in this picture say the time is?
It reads h=6 m=4
